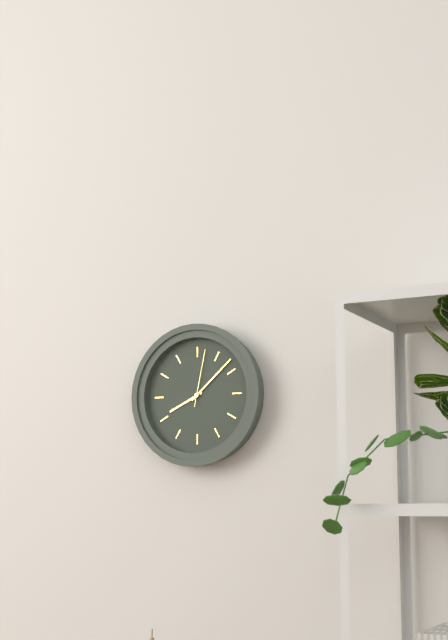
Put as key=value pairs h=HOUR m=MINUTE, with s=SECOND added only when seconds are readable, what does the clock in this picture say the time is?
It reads h=8 m=8 s=2
